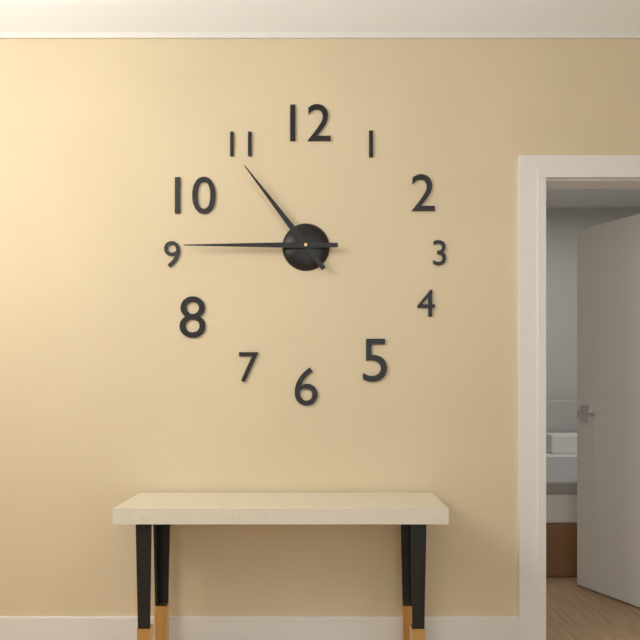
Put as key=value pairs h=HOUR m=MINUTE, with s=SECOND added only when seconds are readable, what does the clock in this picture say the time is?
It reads h=10 m=45
